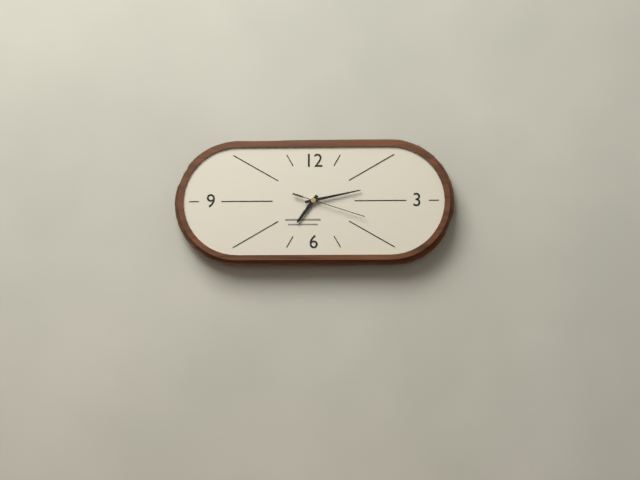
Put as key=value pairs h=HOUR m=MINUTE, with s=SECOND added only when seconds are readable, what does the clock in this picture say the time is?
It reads h=7 m=13 s=18
